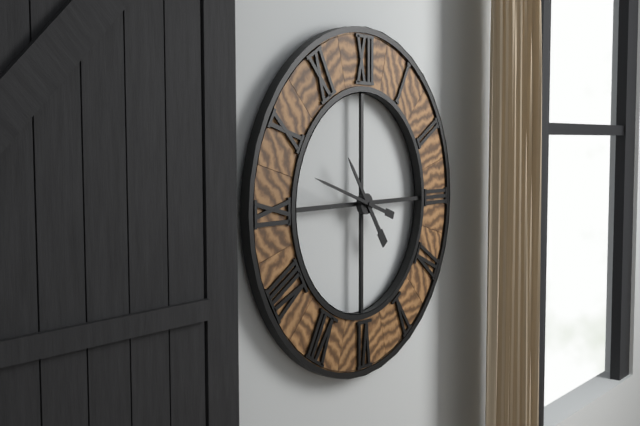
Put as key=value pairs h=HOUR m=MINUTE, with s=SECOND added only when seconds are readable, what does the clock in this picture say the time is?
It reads h=10 m=48
